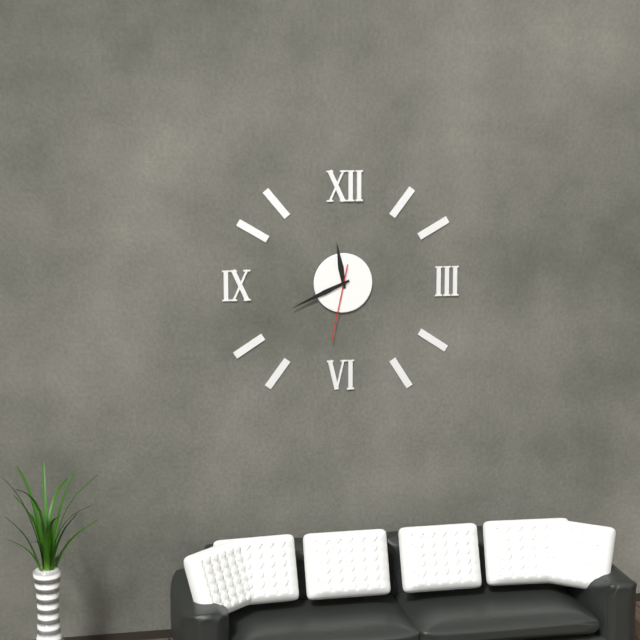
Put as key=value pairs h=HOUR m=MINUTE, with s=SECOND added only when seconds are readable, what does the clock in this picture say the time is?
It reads h=11 m=41 s=32
